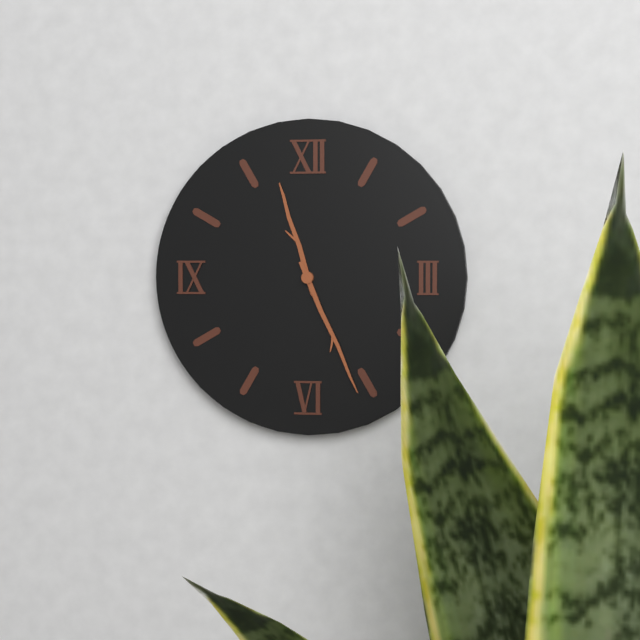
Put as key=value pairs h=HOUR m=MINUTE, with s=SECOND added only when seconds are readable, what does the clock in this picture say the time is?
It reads h=11 m=26
